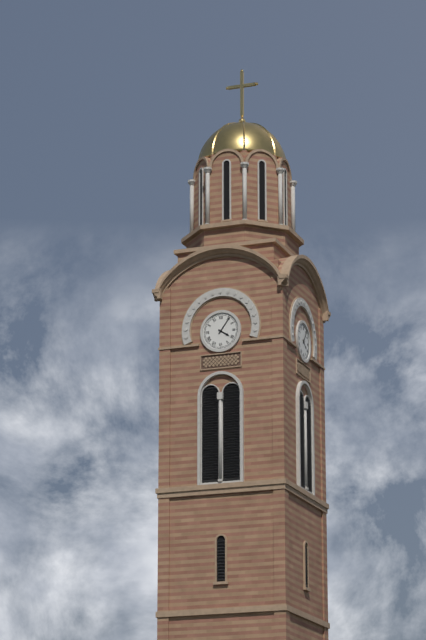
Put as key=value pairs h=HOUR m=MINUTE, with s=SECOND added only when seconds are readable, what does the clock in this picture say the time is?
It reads h=4 m=6
